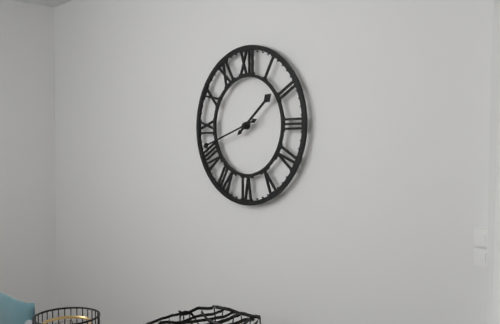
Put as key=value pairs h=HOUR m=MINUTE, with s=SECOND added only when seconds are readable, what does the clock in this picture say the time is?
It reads h=1 m=42
